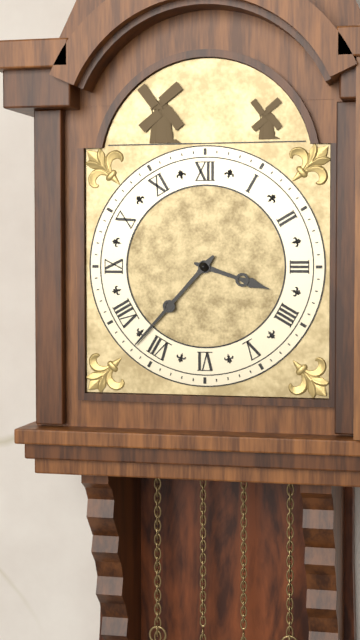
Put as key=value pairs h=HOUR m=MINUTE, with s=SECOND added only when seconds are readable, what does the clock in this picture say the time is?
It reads h=3 m=37
